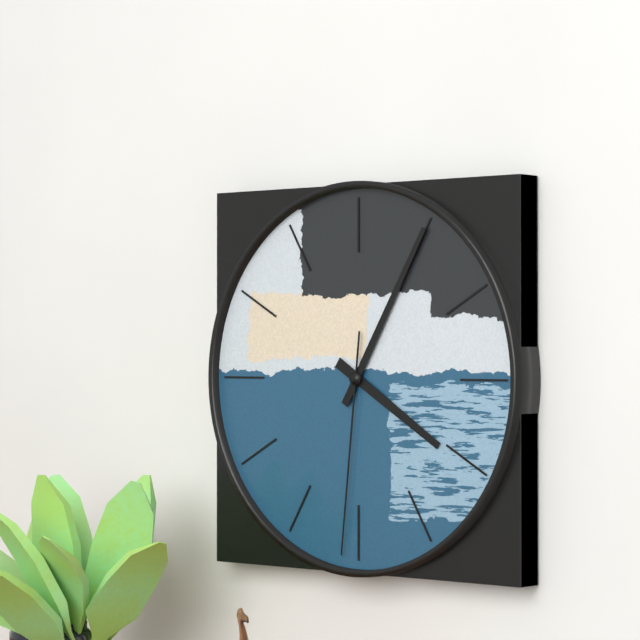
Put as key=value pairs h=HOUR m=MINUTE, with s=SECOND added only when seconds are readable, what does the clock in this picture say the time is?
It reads h=4 m=5 s=31
